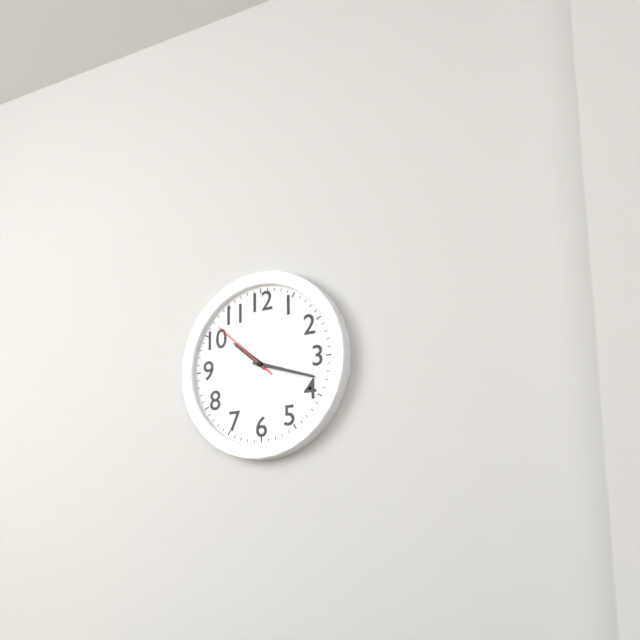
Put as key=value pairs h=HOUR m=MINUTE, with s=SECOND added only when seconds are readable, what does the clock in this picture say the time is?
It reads h=10 m=18 s=52
